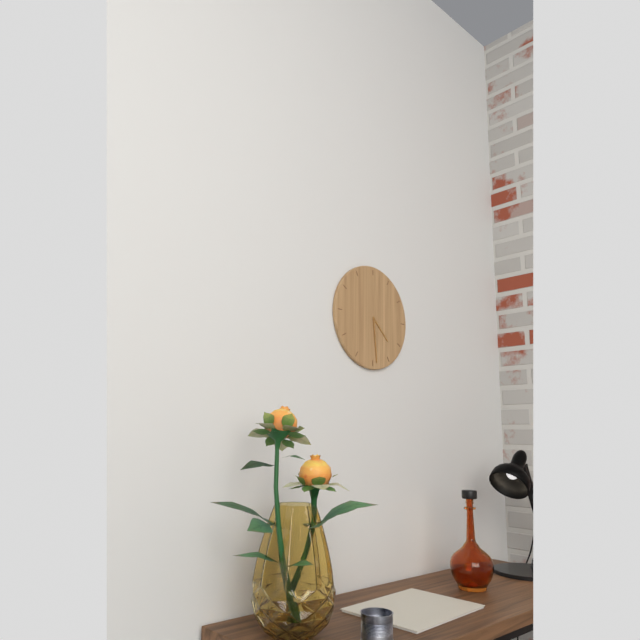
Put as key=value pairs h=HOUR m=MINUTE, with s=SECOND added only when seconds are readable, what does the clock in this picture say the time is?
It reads h=4 m=29
